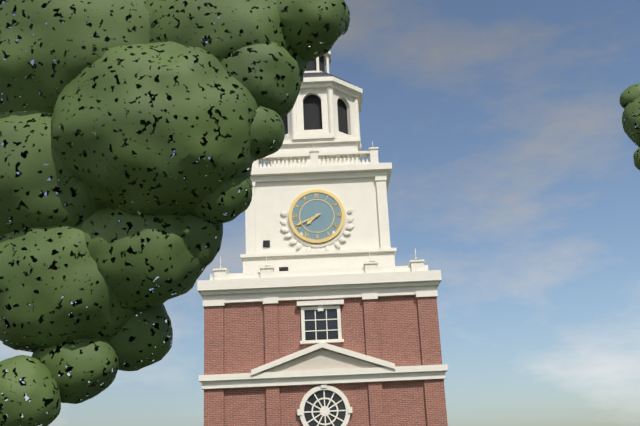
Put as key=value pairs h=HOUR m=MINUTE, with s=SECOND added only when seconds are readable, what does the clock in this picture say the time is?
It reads h=7 m=41
